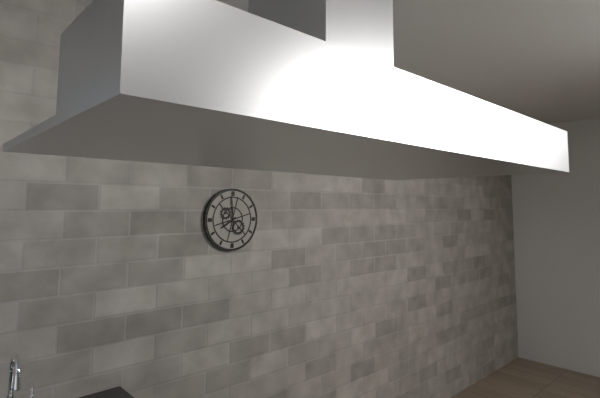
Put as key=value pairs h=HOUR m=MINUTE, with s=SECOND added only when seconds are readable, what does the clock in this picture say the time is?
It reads h=7 m=59
